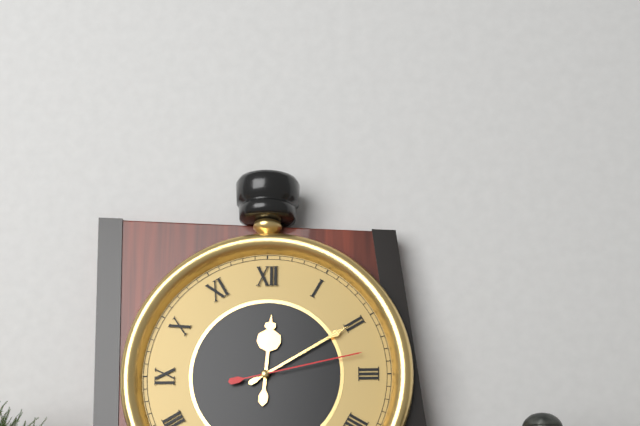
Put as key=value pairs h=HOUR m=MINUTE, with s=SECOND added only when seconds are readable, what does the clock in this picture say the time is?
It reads h=12 m=10 s=13
